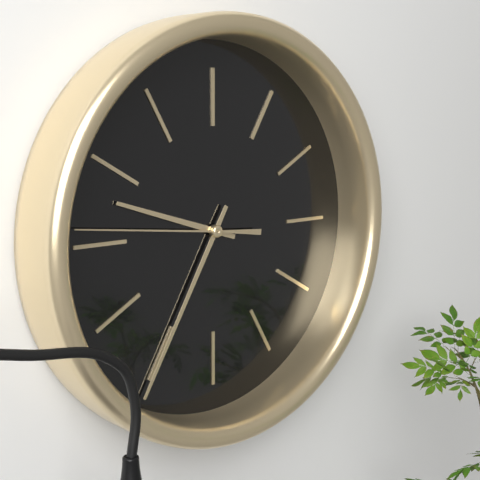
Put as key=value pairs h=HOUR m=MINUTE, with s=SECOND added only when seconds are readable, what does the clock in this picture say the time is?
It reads h=9 m=35 s=46
